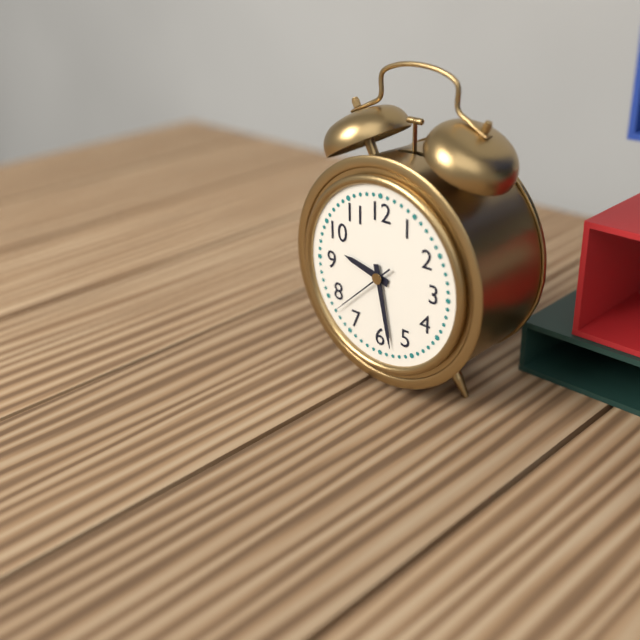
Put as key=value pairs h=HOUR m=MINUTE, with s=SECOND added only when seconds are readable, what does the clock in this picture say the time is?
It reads h=9 m=28 s=38
